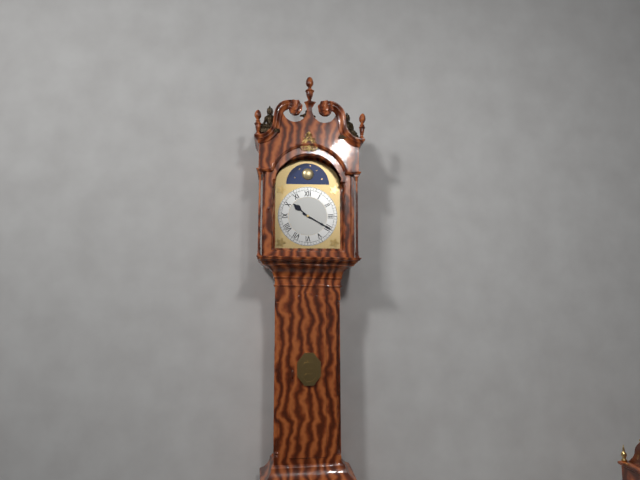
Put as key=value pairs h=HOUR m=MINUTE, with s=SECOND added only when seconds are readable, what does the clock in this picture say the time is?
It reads h=10 m=20
